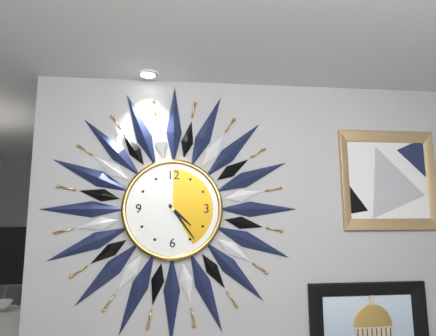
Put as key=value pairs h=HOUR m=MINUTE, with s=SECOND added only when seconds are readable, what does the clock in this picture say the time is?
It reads h=4 m=24
